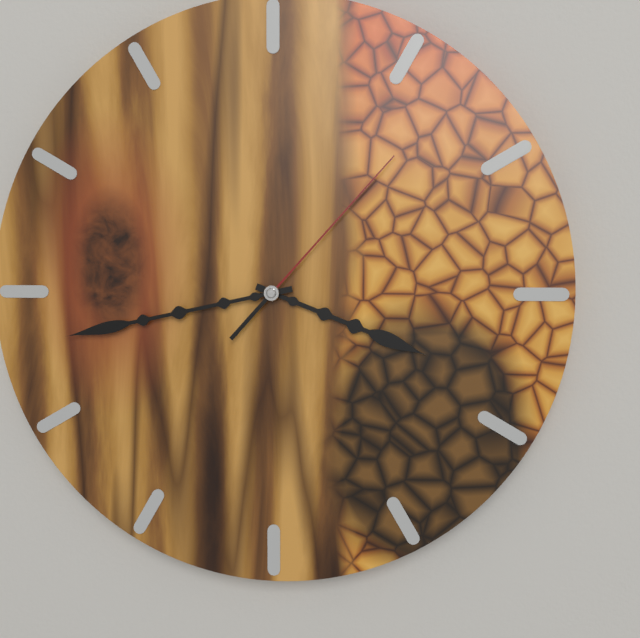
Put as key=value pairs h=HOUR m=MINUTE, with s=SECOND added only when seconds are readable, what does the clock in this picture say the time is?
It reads h=3 m=43 s=7
